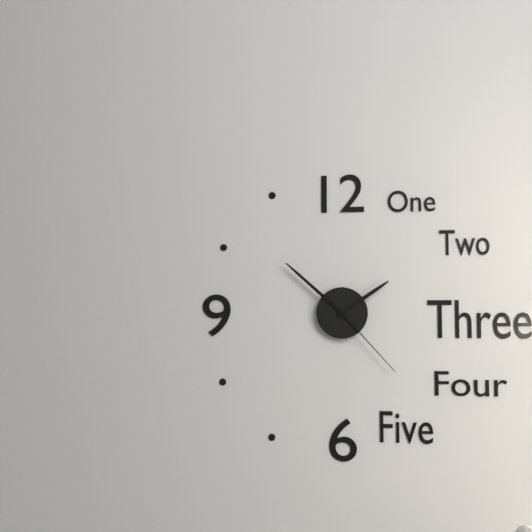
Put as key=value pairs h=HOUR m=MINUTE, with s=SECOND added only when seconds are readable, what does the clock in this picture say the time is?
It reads h=1 m=52 s=23
